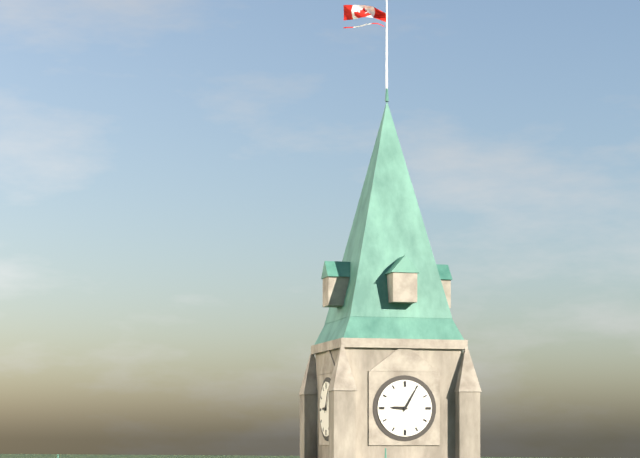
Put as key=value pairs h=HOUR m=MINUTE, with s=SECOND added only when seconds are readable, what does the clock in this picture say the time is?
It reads h=9 m=5
